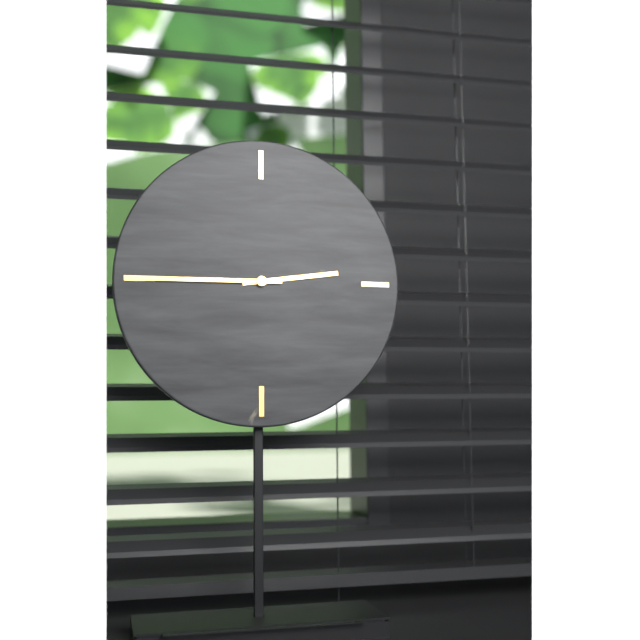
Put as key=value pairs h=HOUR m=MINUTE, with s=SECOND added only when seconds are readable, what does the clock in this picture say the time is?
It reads h=2 m=45
